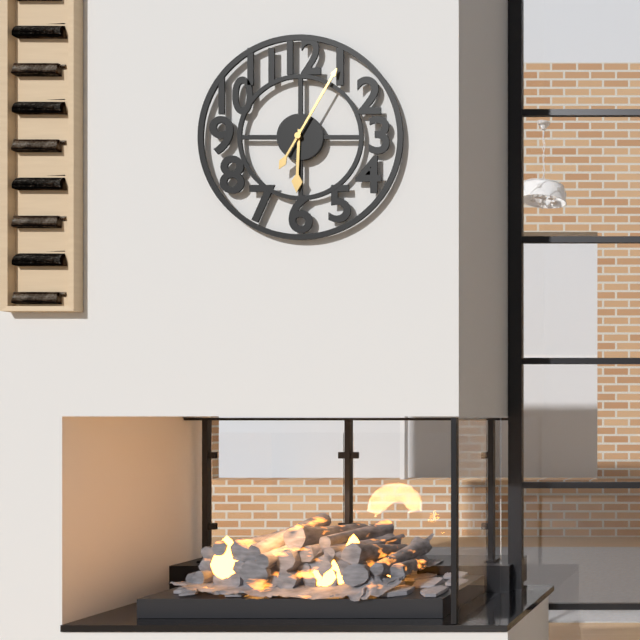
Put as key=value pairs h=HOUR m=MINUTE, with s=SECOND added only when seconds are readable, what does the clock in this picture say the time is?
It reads h=6 m=5
